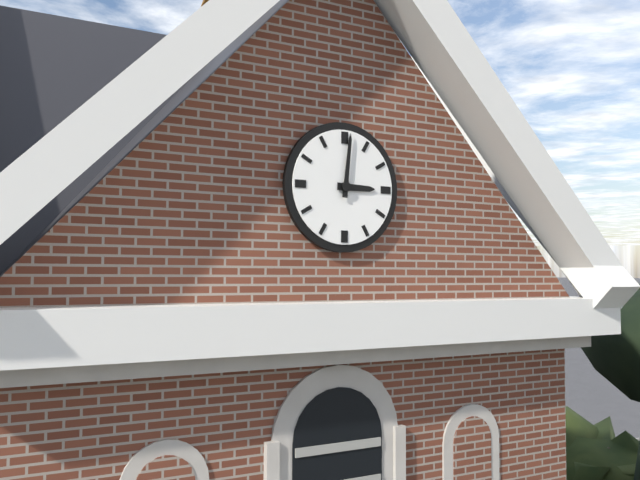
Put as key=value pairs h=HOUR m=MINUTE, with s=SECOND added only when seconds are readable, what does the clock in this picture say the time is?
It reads h=3 m=1
